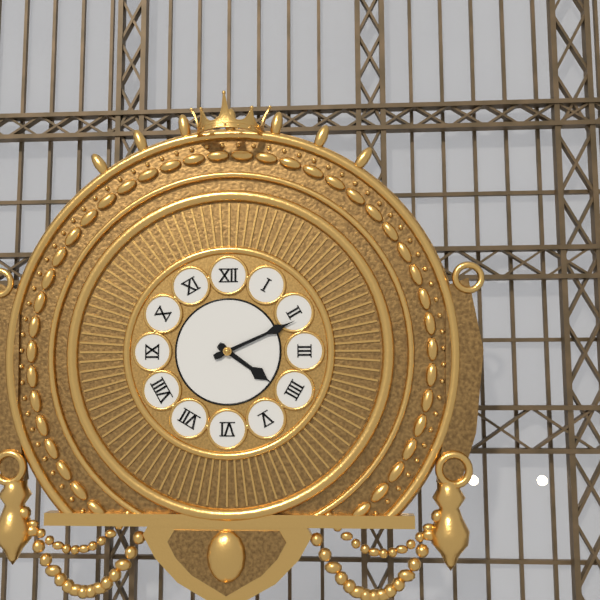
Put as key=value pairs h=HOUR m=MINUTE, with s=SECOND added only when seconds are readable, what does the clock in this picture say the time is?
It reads h=4 m=11
